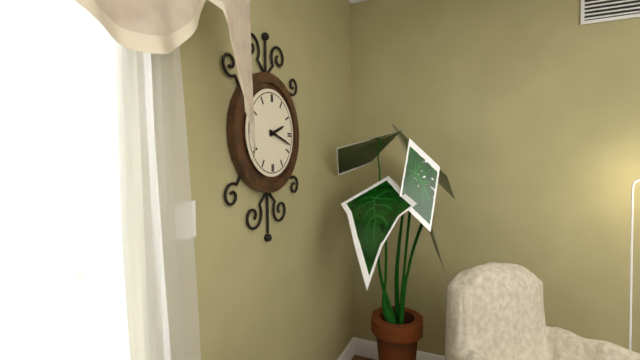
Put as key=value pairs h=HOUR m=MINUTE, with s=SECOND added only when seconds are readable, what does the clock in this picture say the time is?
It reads h=2 m=18
